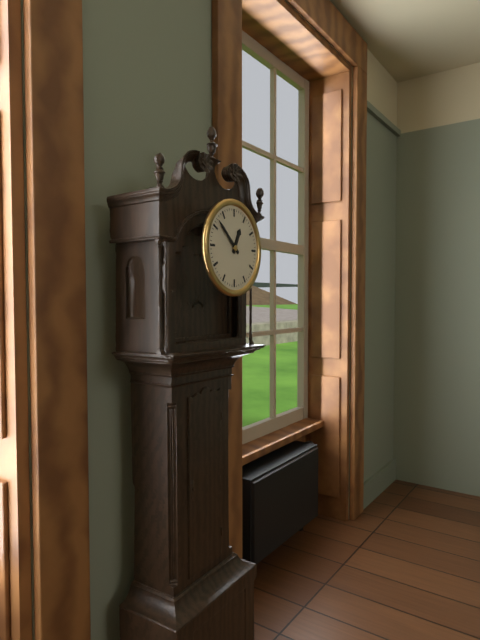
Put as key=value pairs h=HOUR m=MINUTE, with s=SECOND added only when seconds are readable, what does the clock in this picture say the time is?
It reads h=12 m=52
